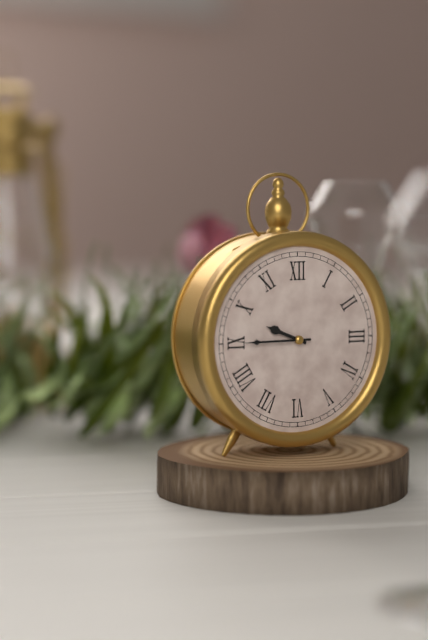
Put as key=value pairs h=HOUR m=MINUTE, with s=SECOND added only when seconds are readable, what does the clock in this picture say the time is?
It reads h=9 m=45
